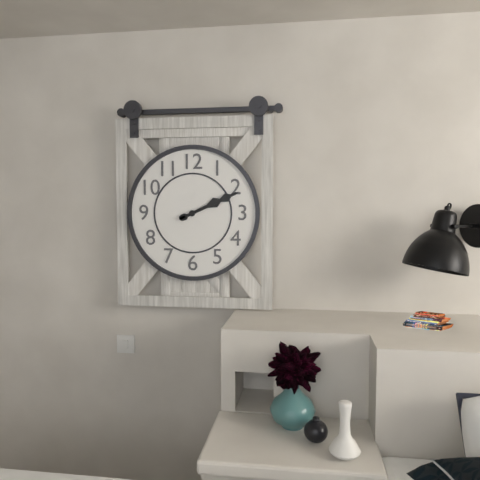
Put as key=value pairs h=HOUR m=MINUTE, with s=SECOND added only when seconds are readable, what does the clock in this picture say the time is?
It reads h=2 m=11
